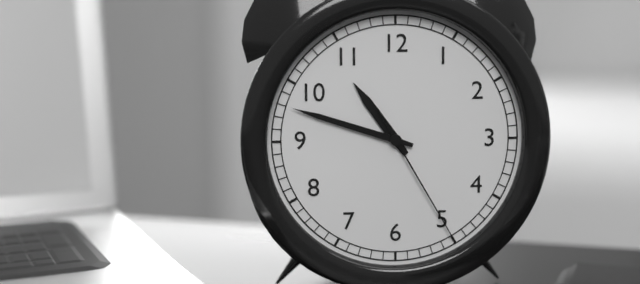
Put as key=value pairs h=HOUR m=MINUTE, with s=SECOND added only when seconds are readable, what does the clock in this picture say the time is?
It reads h=10 m=48 s=25
